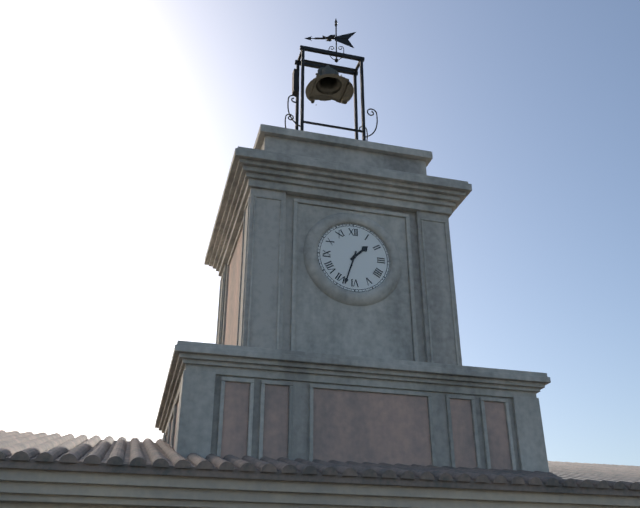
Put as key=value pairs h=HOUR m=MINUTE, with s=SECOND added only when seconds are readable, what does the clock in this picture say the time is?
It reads h=1 m=33
